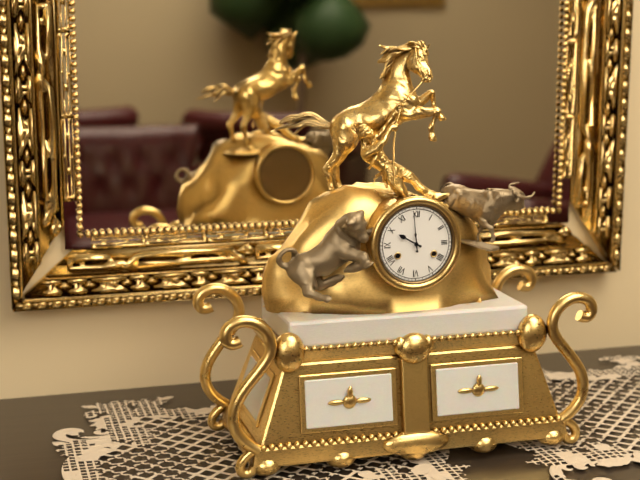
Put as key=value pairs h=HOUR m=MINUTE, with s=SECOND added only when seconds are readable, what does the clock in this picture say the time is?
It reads h=9 m=59
